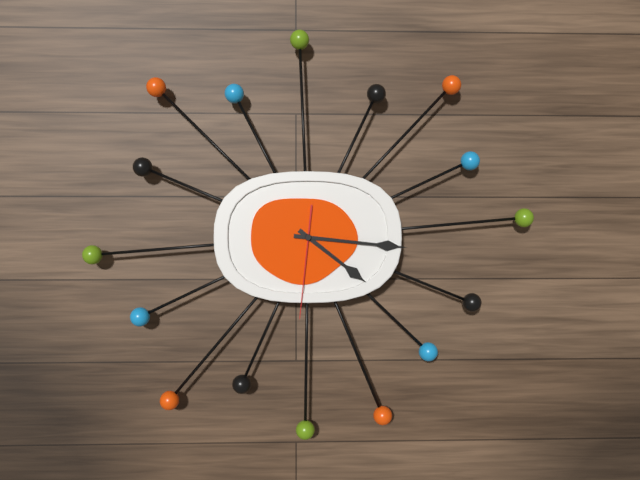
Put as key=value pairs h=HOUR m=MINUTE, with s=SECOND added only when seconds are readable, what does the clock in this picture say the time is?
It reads h=4 m=16 s=31
